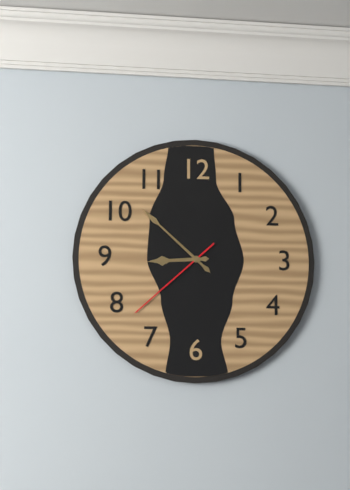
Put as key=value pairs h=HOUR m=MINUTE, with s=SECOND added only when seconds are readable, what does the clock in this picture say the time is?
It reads h=8 m=52 s=38
